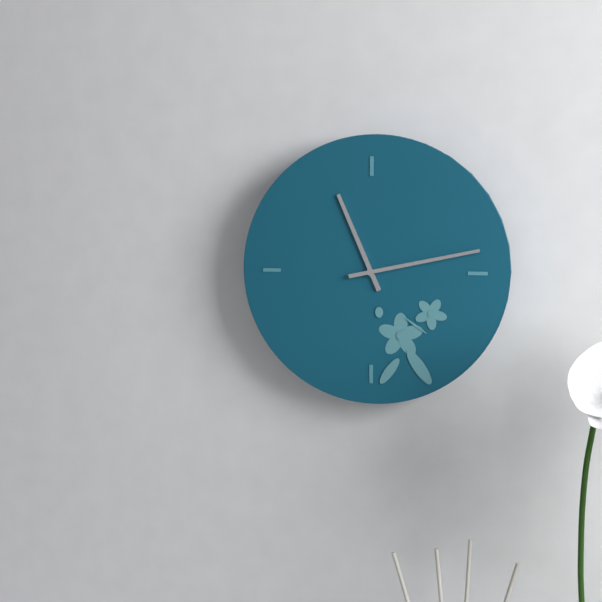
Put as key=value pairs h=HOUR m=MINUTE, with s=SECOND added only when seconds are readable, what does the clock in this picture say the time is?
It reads h=11 m=13
